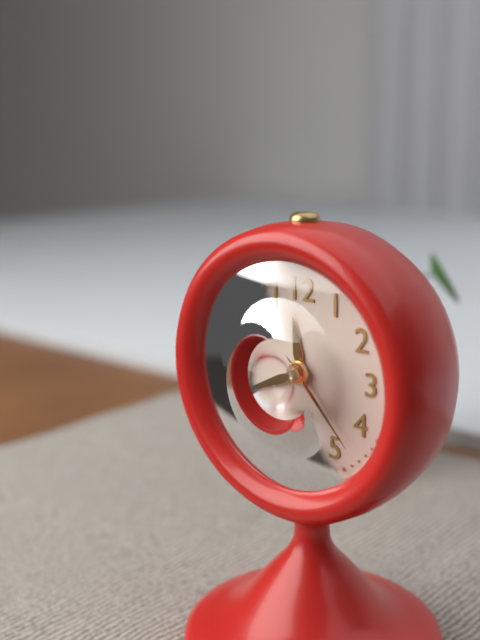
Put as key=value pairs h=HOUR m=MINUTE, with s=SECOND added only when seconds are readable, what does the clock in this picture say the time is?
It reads h=11 m=41 s=23
